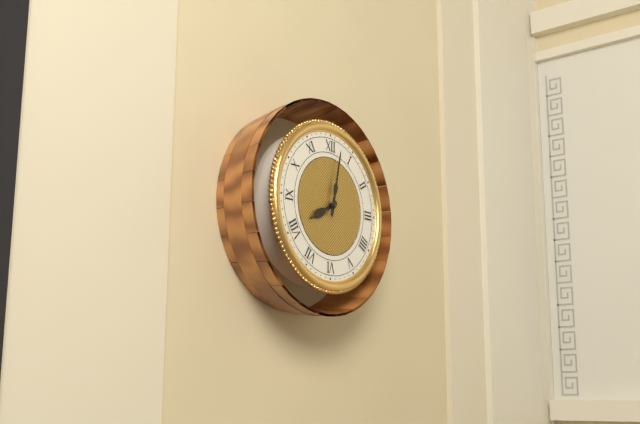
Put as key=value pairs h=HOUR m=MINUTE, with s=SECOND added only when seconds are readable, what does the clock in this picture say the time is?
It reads h=8 m=2
